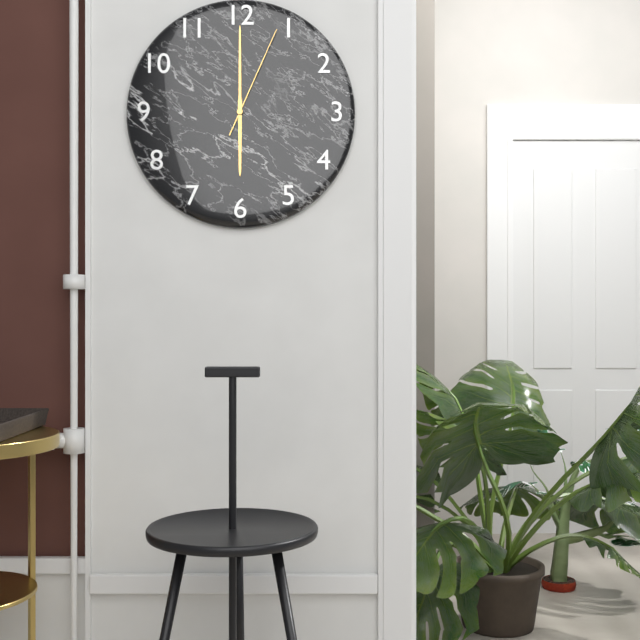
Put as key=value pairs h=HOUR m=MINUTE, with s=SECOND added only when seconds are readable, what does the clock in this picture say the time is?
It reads h=6 m=0 s=4
